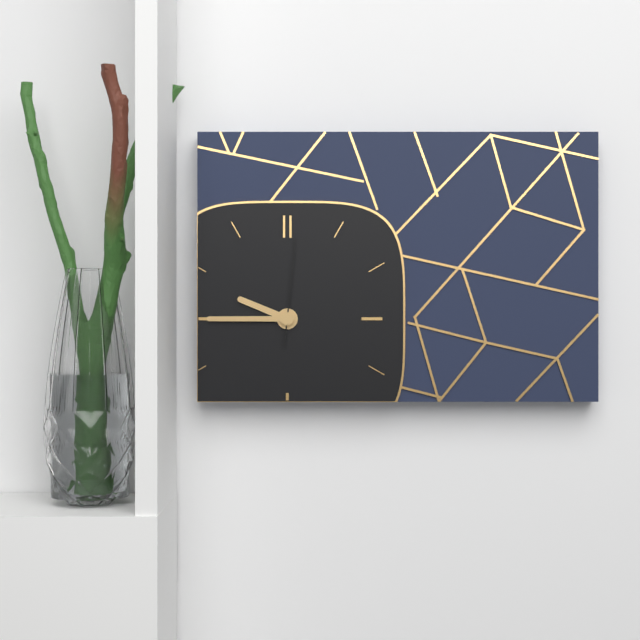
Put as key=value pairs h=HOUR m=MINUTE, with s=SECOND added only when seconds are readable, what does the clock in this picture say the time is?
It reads h=9 m=45 s=1
